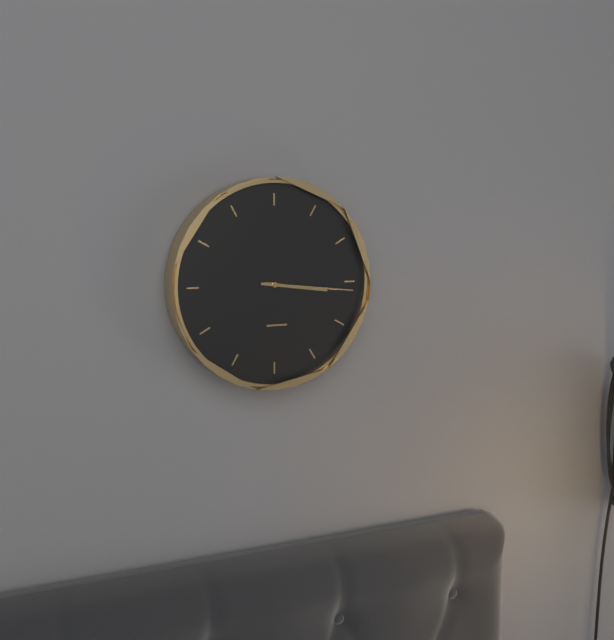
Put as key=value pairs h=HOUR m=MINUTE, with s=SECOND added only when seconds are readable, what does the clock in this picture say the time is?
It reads h=3 m=16
